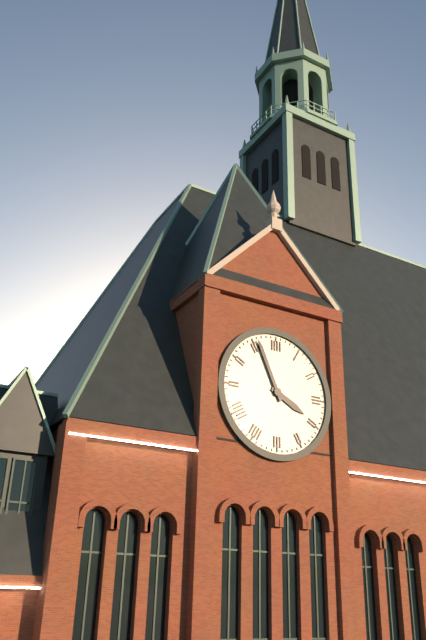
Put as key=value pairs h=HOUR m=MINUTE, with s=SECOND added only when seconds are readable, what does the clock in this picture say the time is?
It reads h=3 m=56
